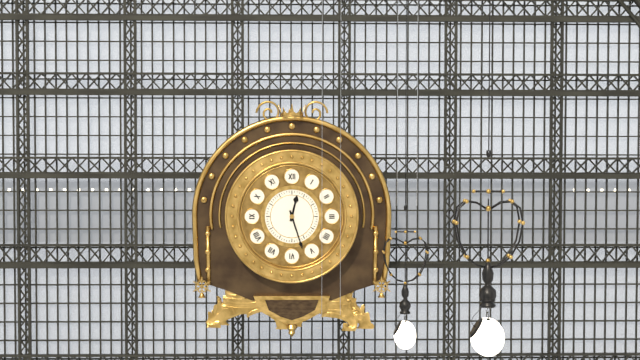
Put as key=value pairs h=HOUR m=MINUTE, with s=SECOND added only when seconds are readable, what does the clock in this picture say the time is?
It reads h=12 m=27
